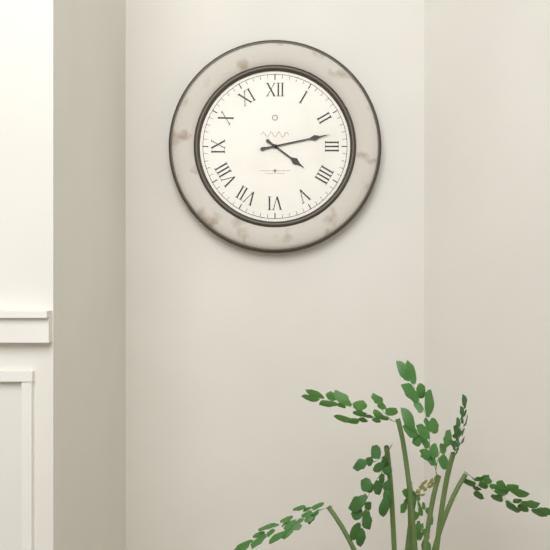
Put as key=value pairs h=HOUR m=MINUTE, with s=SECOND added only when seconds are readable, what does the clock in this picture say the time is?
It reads h=4 m=13
